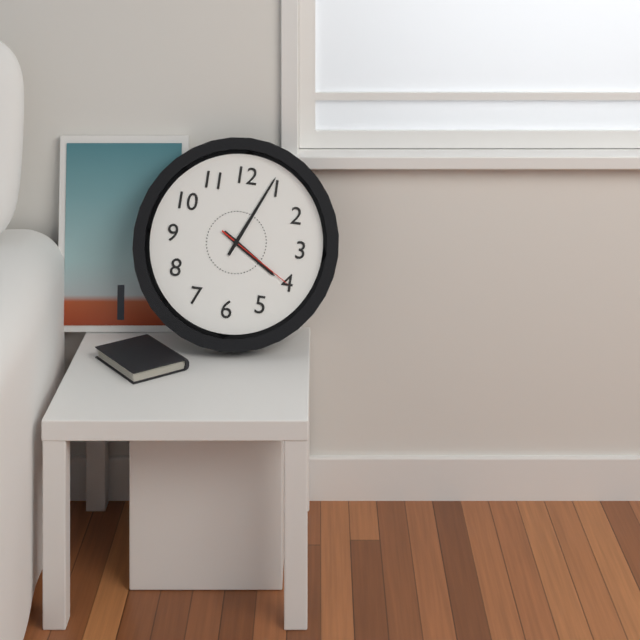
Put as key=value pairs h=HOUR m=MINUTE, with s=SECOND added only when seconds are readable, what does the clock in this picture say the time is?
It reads h=4 m=4 s=20
